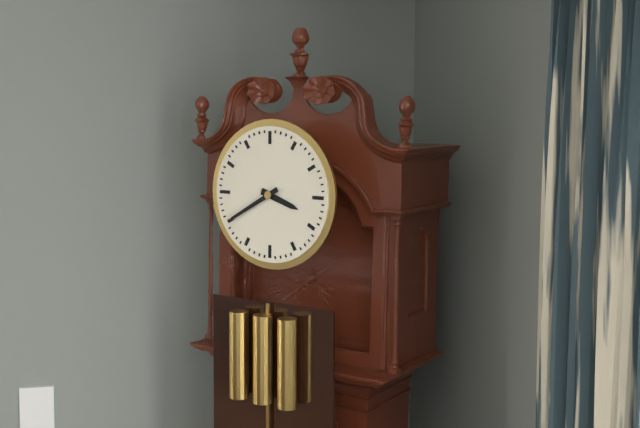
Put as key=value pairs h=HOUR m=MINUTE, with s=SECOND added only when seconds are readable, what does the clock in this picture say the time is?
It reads h=3 m=40
